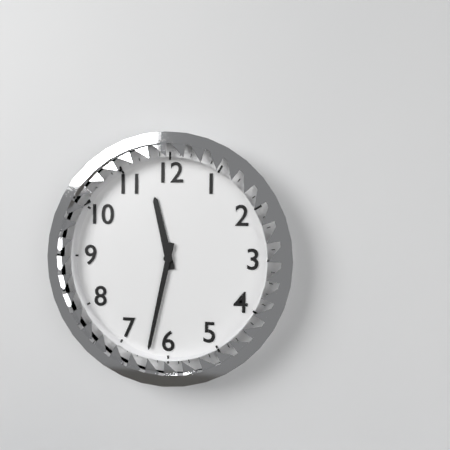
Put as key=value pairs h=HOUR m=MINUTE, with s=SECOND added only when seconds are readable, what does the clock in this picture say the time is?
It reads h=11 m=32
